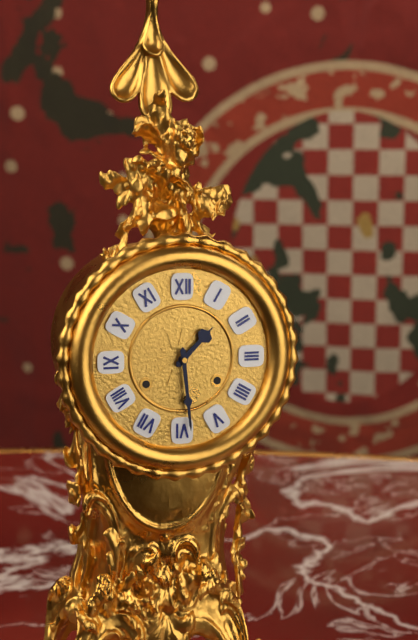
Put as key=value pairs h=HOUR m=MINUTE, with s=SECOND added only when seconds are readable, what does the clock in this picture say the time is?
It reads h=1 m=29
